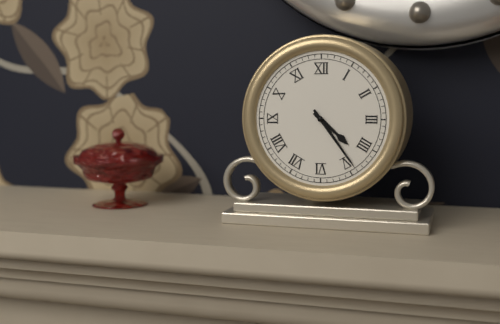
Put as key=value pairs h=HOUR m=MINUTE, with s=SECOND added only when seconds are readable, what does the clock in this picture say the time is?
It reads h=4 m=24
